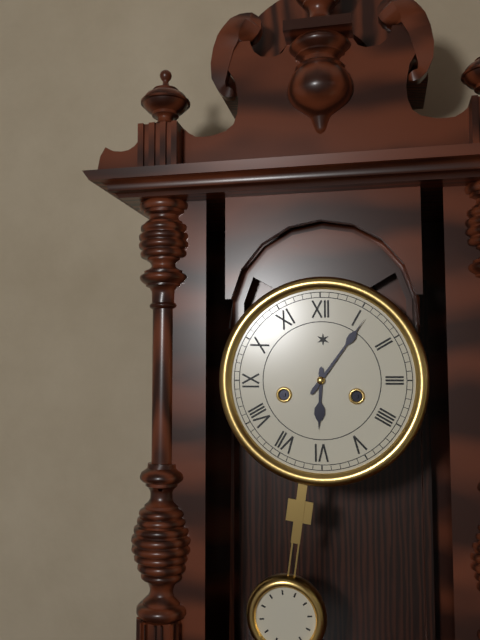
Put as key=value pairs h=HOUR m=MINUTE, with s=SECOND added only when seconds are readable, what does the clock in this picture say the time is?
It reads h=6 m=6
